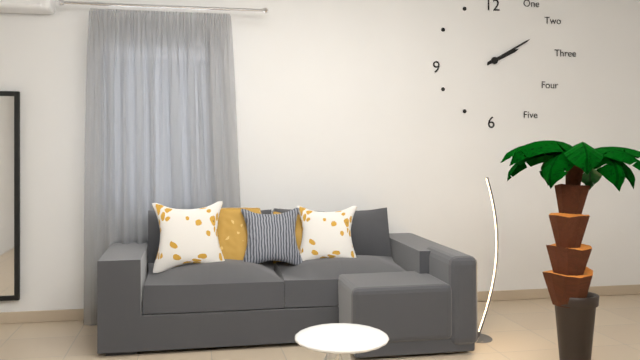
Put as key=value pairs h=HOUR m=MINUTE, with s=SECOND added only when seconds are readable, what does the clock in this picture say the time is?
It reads h=2 m=10
